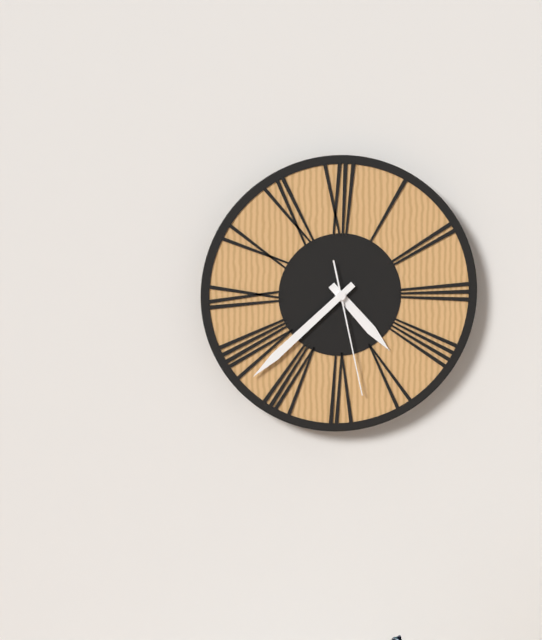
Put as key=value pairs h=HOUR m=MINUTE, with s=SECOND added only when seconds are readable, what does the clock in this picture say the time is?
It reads h=4 m=38 s=28
